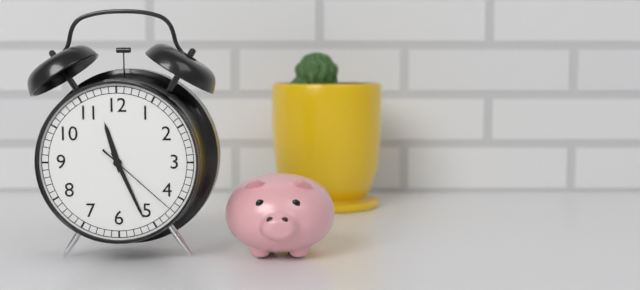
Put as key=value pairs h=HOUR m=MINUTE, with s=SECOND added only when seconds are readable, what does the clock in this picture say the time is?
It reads h=11 m=26 s=22
